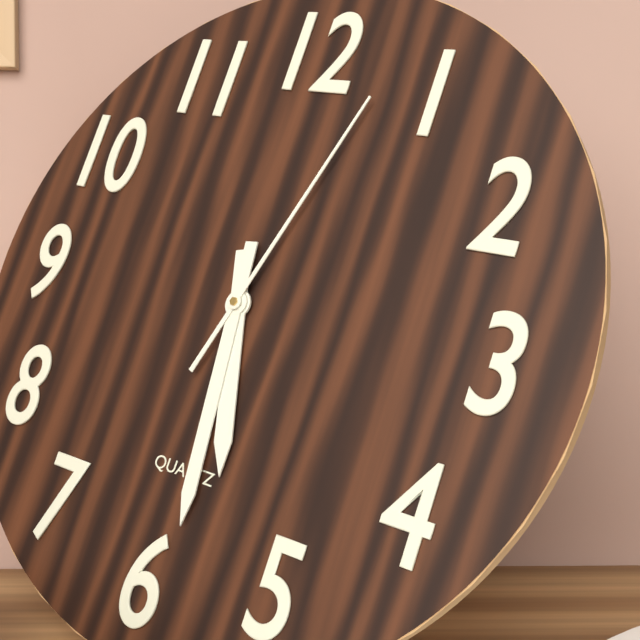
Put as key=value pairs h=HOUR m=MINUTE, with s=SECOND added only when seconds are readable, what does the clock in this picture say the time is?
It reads h=5 m=29 s=3
